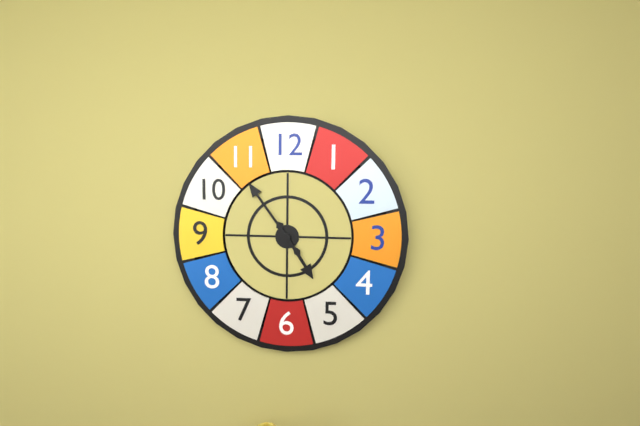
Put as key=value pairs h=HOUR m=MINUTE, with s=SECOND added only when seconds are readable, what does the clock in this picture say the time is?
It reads h=4 m=54
